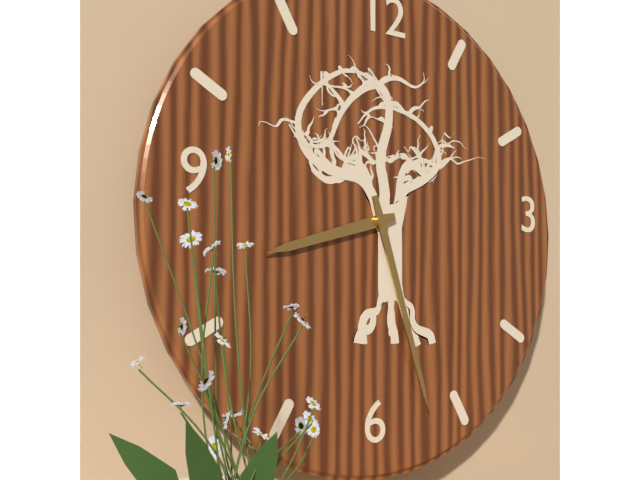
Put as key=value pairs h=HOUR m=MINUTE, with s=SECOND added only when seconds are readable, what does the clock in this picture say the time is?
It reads h=8 m=27
